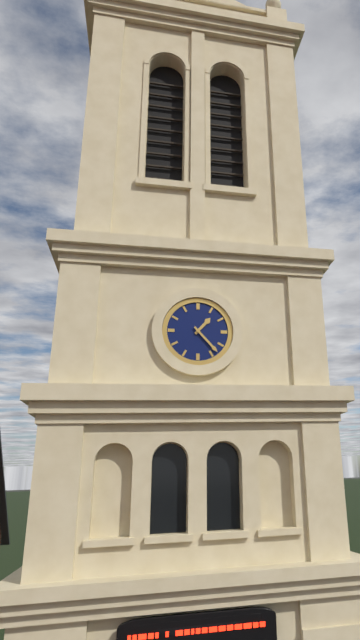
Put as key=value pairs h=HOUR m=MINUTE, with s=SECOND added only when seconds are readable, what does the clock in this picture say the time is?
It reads h=1 m=23
